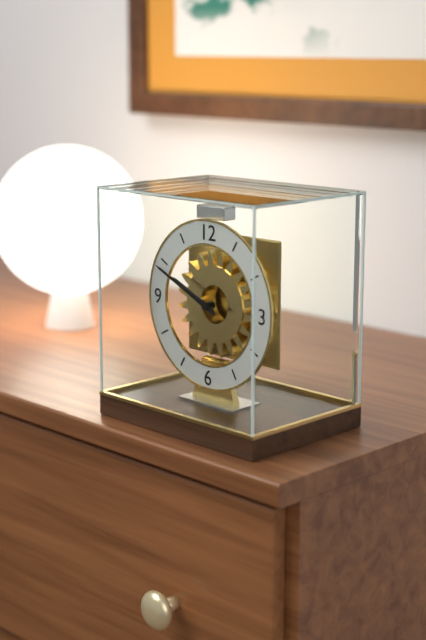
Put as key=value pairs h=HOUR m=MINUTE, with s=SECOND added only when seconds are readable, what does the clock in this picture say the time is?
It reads h=9 m=49
